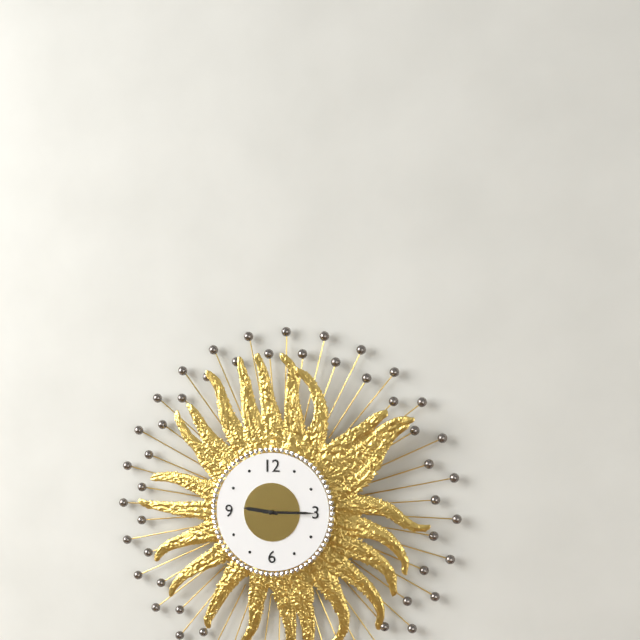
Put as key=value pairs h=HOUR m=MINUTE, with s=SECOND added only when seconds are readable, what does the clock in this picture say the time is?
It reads h=9 m=15
